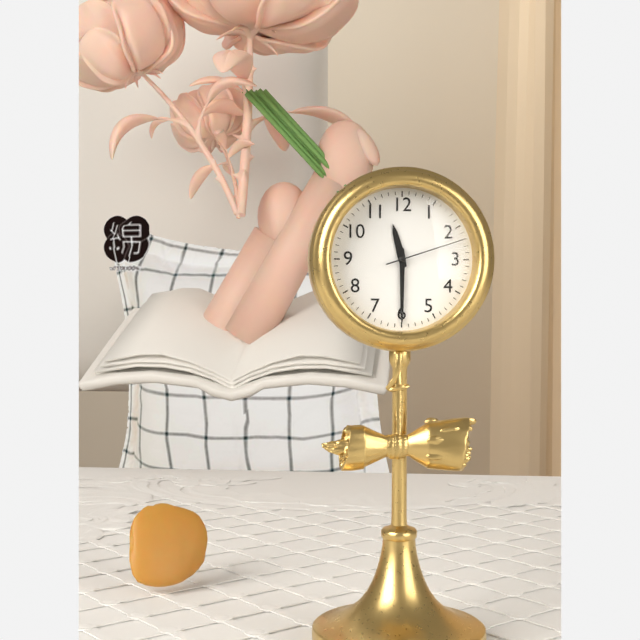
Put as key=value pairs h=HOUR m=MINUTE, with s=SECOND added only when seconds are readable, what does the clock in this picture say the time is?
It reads h=11 m=30 s=12
